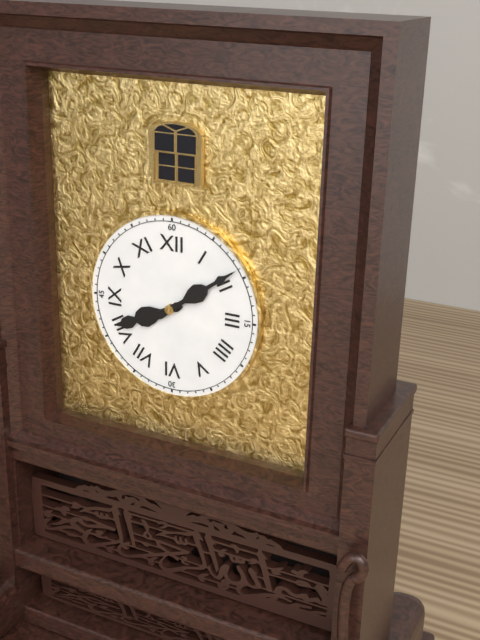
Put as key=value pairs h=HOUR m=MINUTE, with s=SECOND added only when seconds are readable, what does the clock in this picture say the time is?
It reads h=8 m=9
